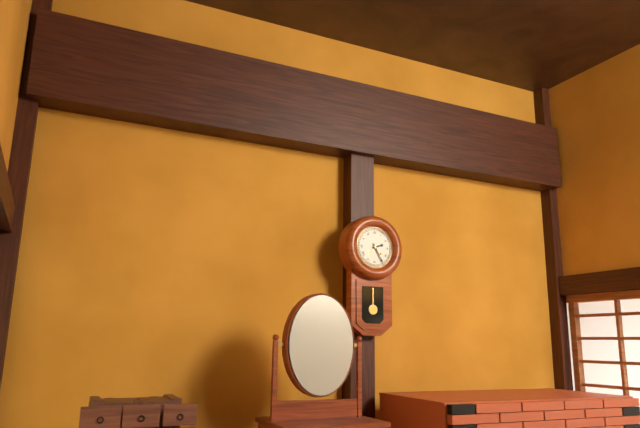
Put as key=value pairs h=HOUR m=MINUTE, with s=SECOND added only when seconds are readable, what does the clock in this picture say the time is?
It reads h=2 m=25
